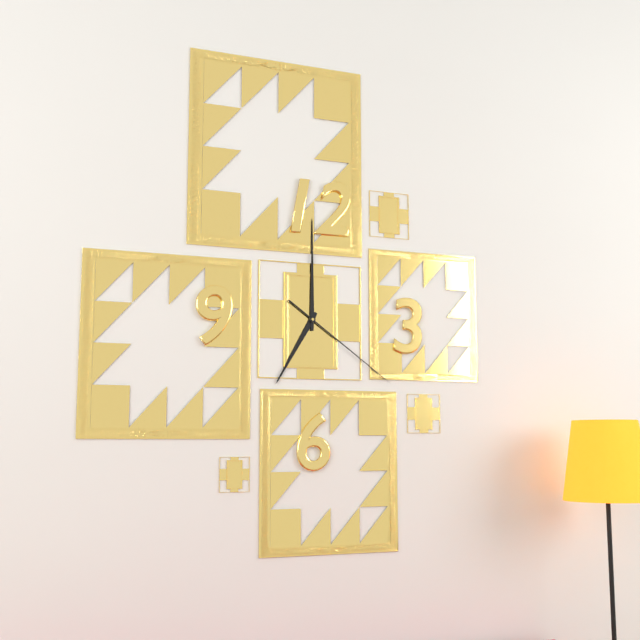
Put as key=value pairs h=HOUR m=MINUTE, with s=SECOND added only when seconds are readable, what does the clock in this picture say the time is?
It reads h=7 m=0 s=21
